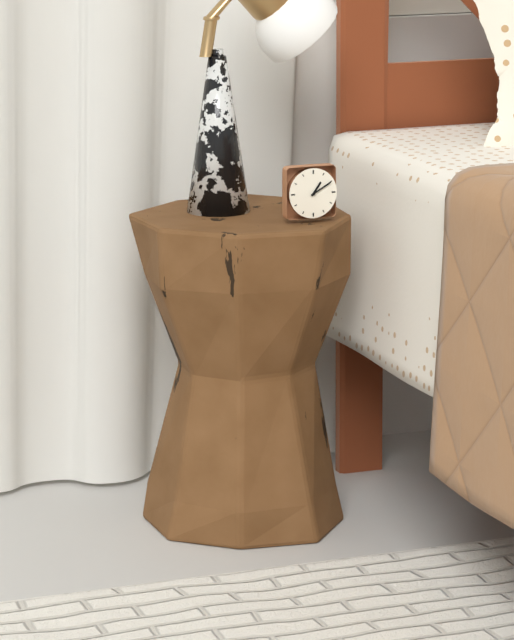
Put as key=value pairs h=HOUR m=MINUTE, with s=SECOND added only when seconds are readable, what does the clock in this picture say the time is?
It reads h=1 m=10
